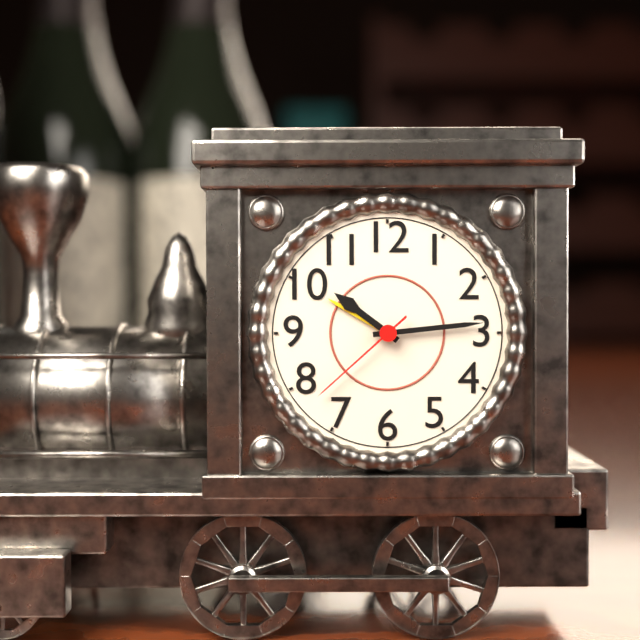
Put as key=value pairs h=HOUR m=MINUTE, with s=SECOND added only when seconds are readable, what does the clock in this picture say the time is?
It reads h=10 m=14 s=38
